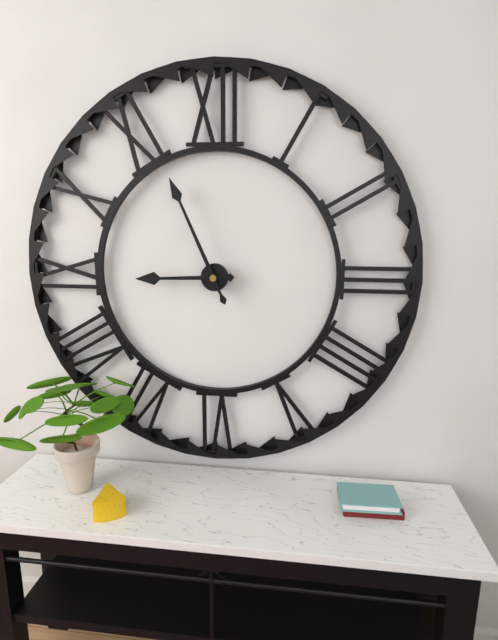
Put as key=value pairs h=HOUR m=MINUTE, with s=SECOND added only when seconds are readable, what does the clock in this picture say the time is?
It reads h=8 m=56
